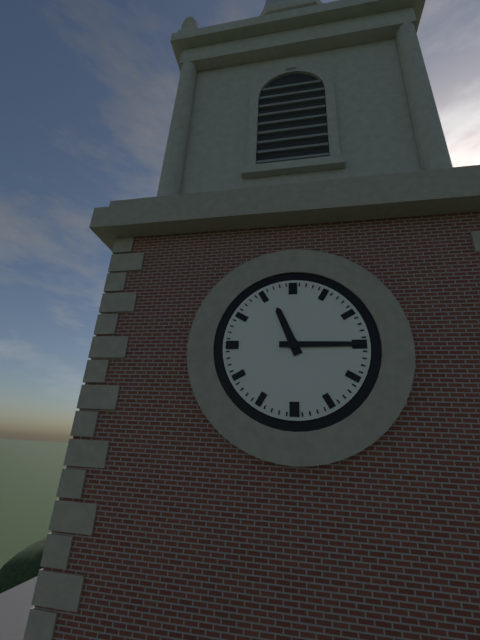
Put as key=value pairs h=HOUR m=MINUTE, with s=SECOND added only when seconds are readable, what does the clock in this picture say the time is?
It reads h=11 m=15
